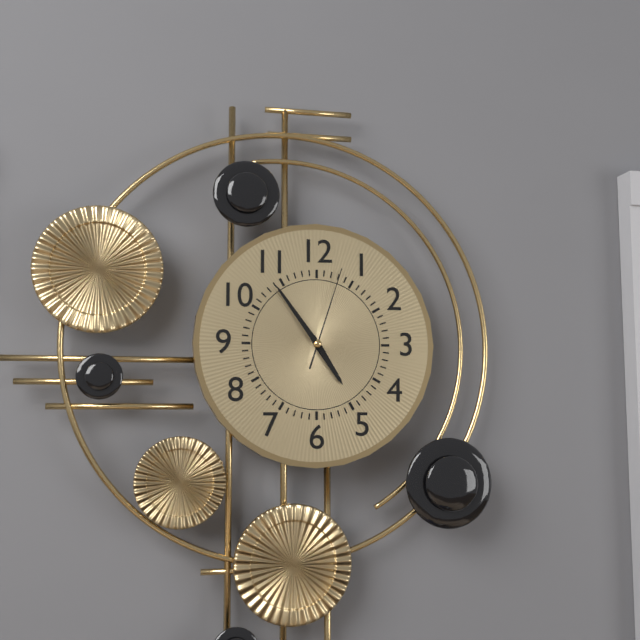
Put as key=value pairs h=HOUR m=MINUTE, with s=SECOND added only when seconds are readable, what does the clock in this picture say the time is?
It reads h=4 m=54 s=3
